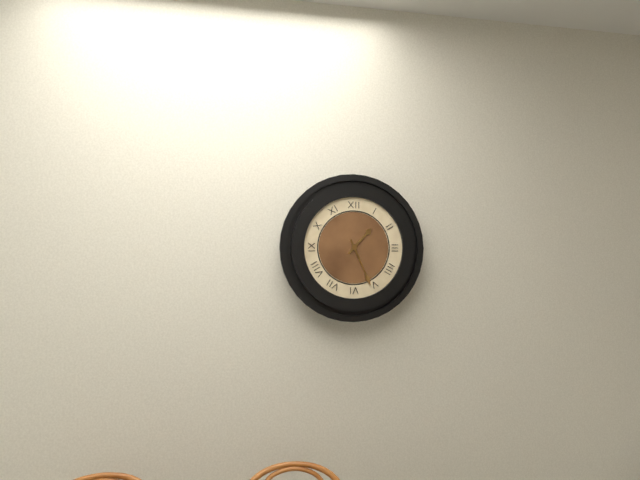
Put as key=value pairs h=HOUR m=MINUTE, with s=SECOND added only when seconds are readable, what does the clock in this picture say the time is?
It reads h=1 m=26
